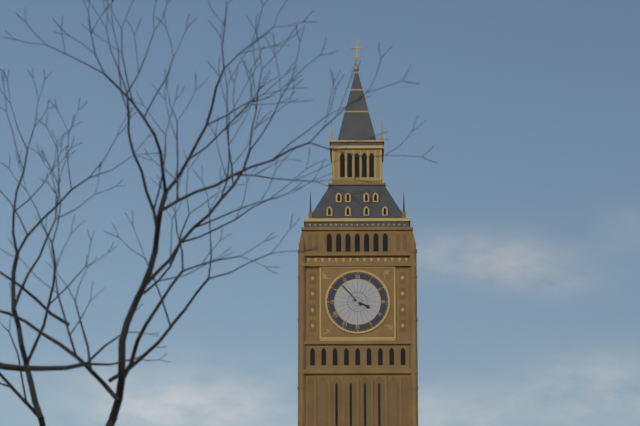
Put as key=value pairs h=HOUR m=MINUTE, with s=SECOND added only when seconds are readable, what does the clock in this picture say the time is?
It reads h=3 m=53
